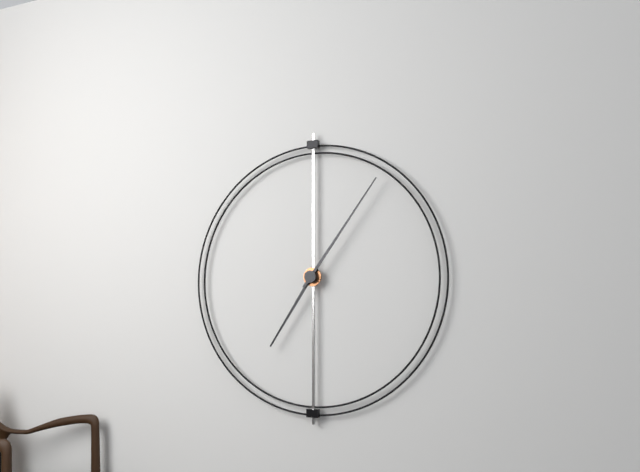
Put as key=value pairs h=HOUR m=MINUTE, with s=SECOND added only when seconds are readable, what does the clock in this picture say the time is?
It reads h=7 m=6
